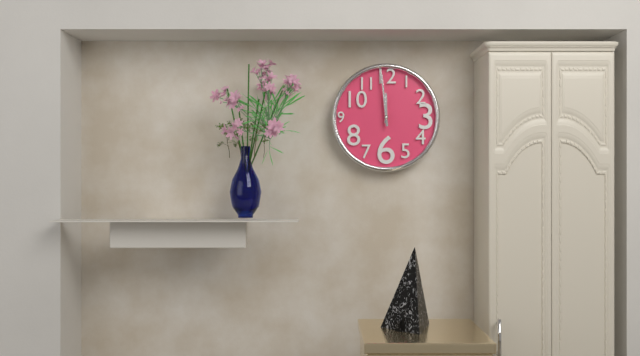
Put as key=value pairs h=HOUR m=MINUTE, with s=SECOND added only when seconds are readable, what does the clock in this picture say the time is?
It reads h=11 m=59
